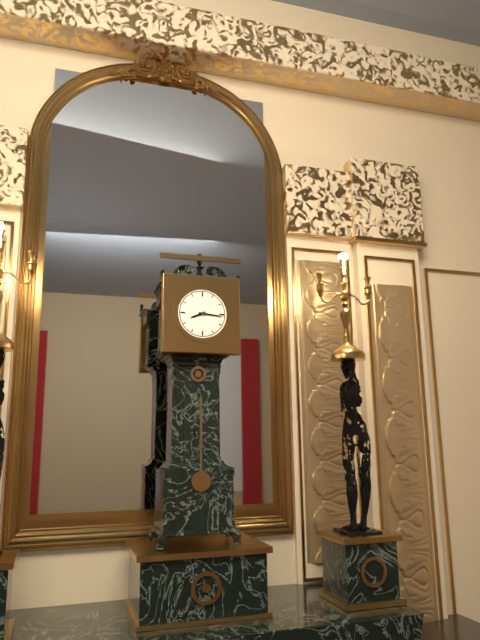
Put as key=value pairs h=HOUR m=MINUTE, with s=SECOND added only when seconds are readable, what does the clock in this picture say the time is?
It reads h=8 m=16
